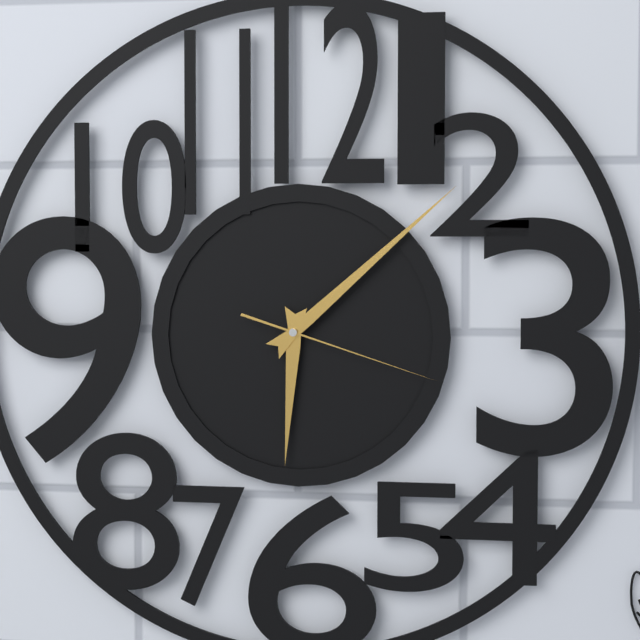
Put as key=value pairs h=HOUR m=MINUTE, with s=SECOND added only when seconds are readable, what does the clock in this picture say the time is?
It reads h=6 m=8 s=18
